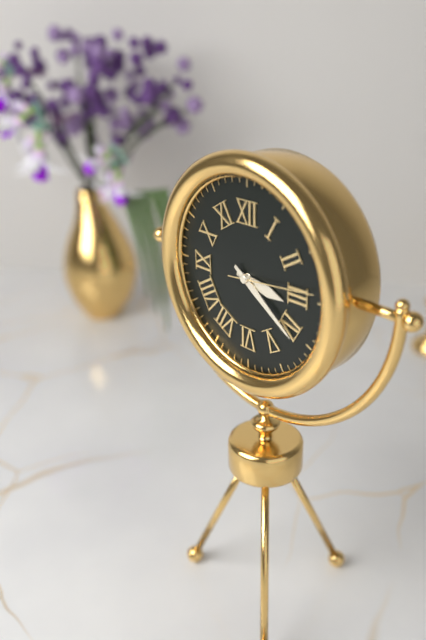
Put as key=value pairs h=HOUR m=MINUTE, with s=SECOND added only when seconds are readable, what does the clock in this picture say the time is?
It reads h=3 m=21 s=14
